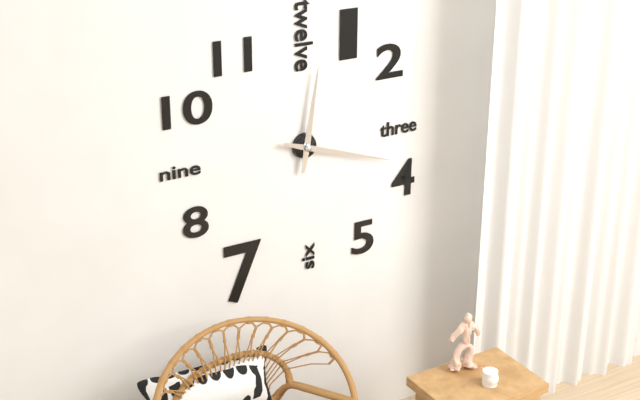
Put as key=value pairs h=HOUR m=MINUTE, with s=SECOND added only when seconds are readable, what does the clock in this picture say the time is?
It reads h=12 m=18
